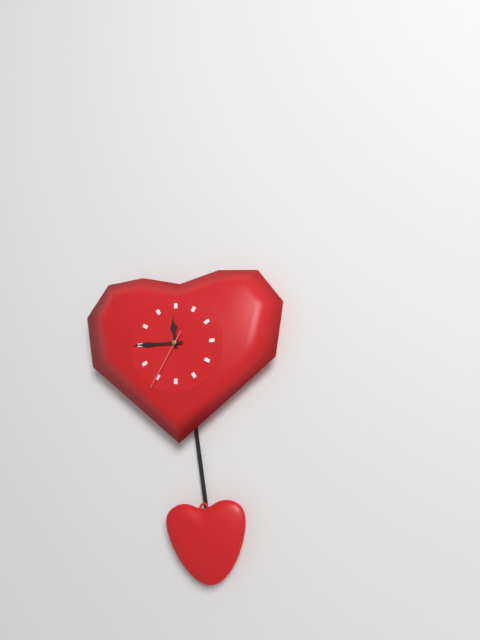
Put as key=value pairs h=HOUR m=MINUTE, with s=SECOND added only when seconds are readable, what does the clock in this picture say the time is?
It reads h=11 m=45 s=35
